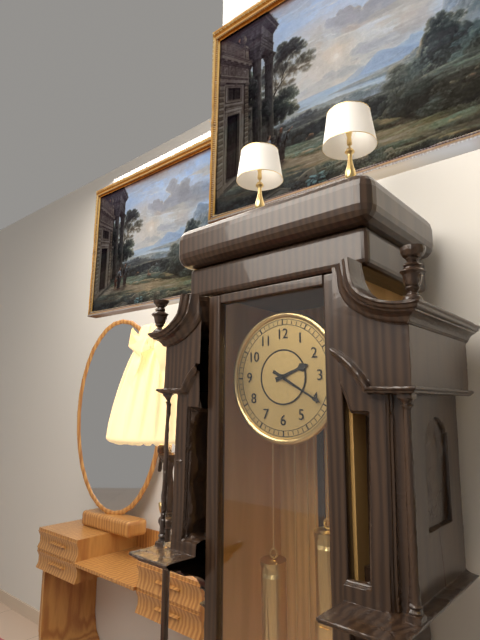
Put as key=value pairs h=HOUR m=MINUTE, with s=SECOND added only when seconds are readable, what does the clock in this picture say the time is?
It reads h=2 m=20
